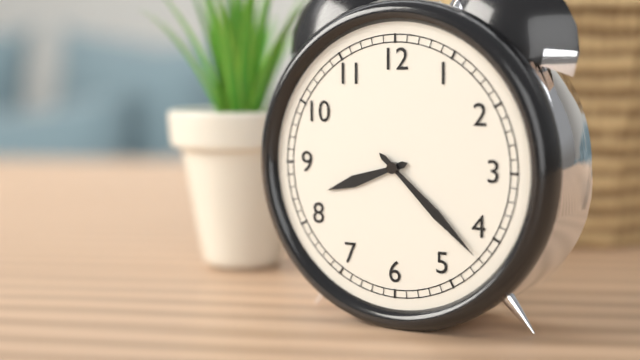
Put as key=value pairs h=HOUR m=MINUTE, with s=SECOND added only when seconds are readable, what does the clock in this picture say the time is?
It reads h=8 m=22
